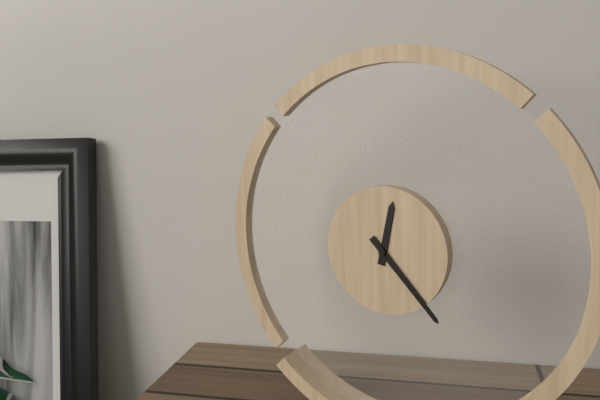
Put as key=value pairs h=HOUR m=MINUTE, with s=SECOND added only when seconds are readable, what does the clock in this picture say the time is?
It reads h=12 m=23
